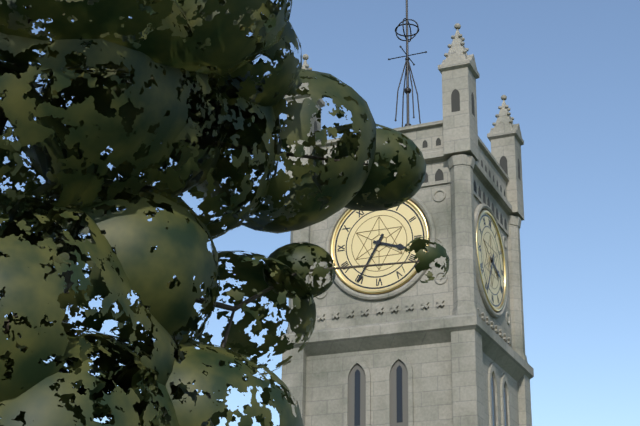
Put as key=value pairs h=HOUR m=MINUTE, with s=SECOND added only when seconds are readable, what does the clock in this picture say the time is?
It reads h=3 m=35
